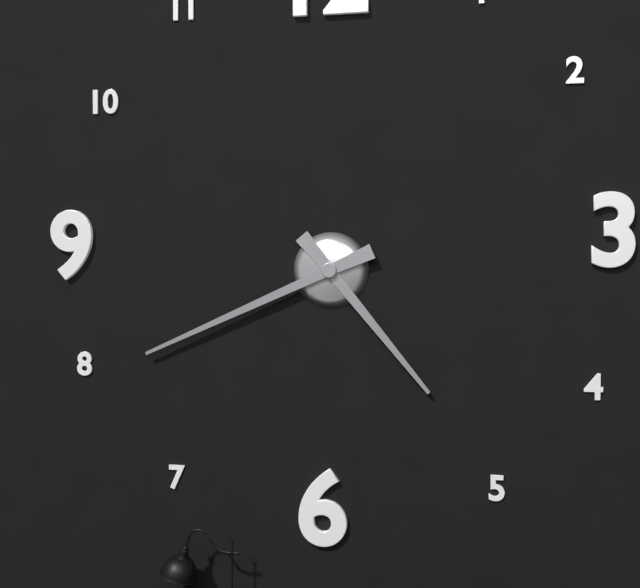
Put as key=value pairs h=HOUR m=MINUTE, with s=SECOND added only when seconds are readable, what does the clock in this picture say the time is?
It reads h=4 m=41
